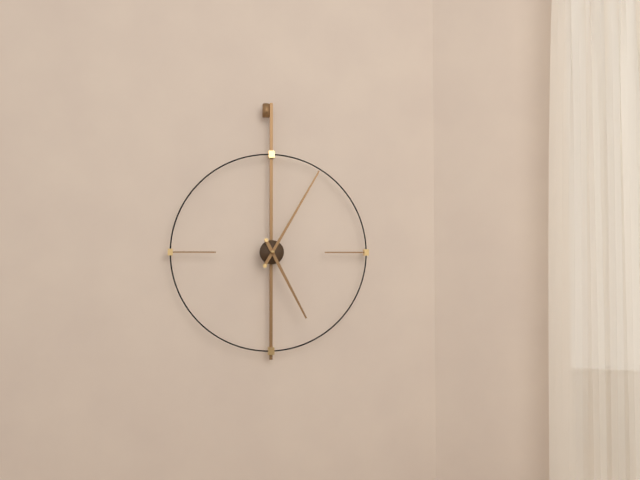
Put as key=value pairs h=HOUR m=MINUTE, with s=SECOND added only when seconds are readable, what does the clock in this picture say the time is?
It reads h=5 m=5
